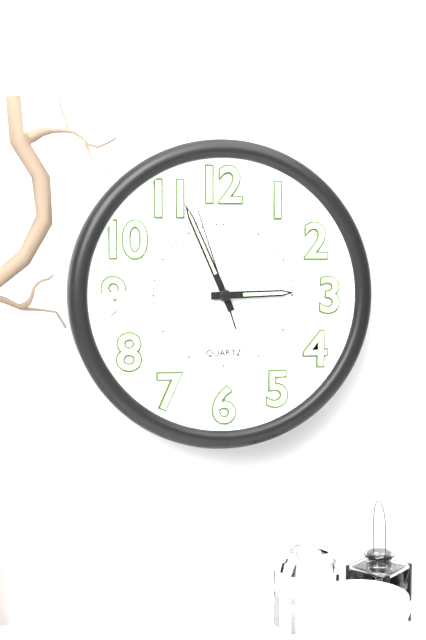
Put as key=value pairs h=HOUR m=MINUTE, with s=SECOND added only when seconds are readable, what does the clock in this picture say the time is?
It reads h=2 m=56 s=57
